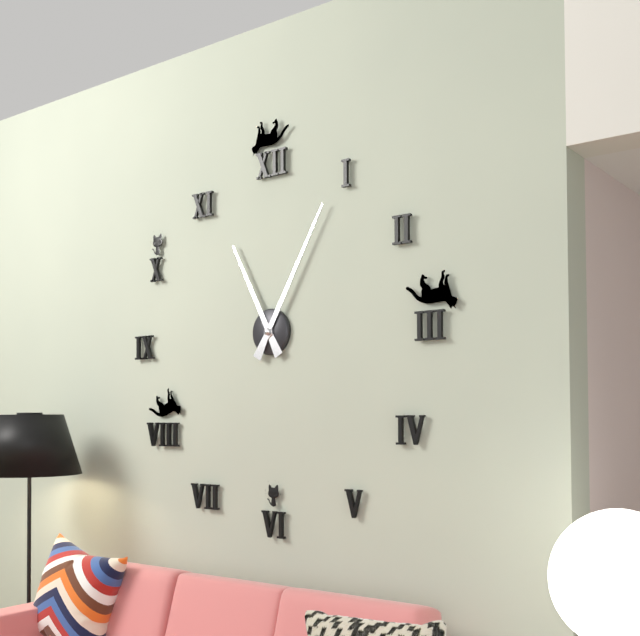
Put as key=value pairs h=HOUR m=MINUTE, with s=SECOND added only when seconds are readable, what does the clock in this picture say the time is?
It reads h=11 m=5
